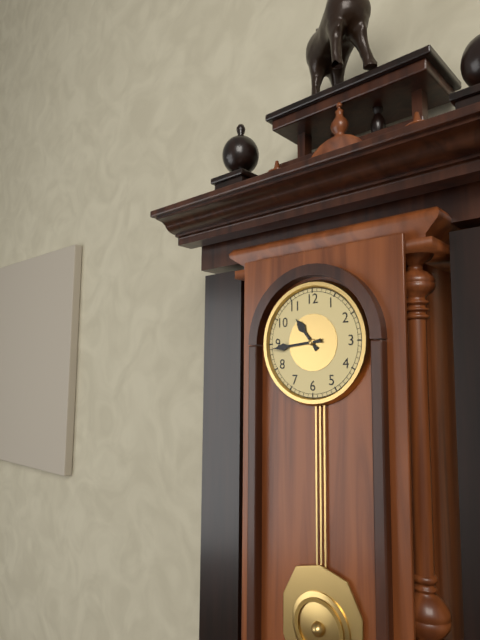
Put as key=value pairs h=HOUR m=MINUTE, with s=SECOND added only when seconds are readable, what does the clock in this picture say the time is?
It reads h=10 m=44
